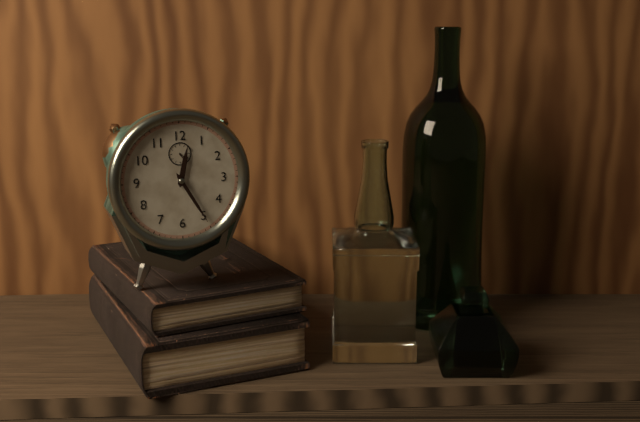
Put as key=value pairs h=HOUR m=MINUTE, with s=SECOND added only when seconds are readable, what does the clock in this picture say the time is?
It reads h=12 m=25
